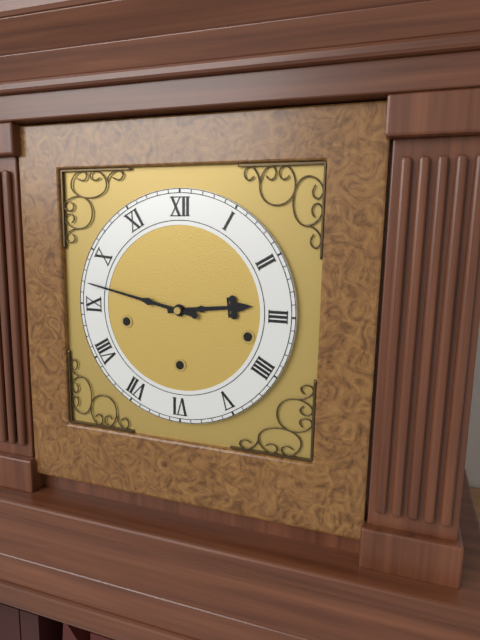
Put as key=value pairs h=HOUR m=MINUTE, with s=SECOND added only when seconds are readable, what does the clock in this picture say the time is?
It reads h=2 m=47
